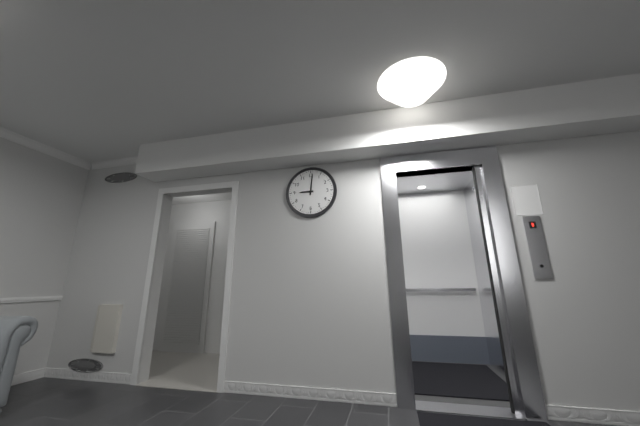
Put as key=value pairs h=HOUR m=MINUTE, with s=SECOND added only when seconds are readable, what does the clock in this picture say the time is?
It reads h=9 m=1
